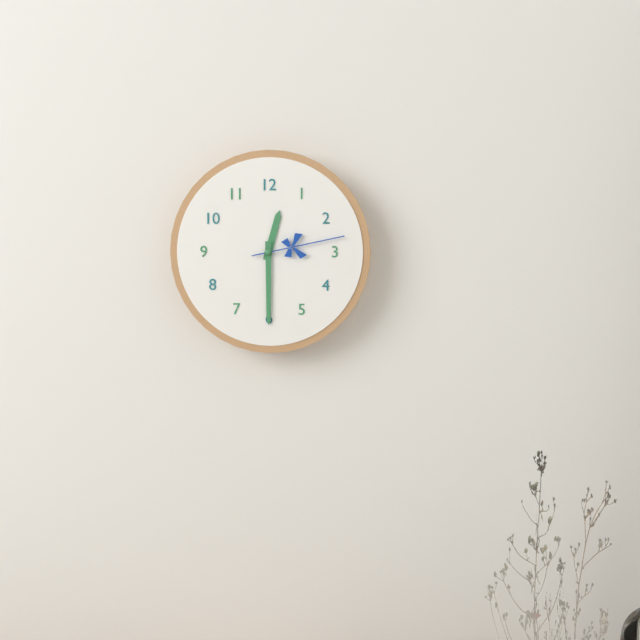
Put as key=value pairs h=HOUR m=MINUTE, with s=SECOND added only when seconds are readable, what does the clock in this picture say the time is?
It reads h=12 m=30 s=13
